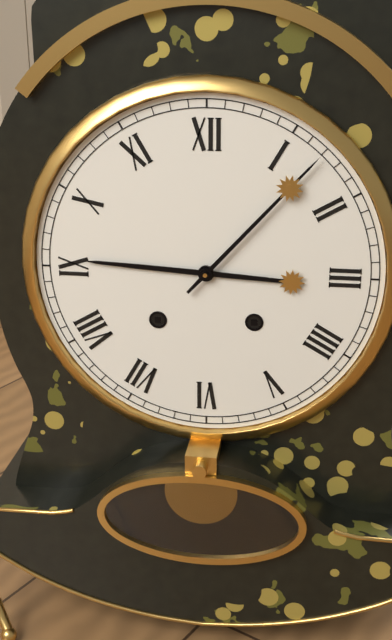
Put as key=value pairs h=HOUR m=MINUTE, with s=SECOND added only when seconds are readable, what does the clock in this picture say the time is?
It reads h=9 m=7
